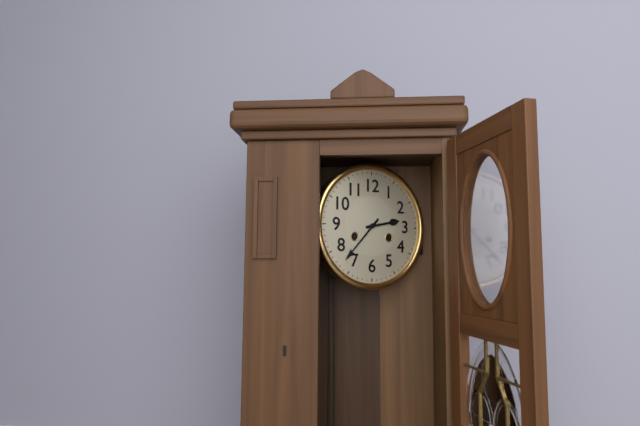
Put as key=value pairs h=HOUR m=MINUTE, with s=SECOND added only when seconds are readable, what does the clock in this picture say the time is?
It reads h=2 m=37
